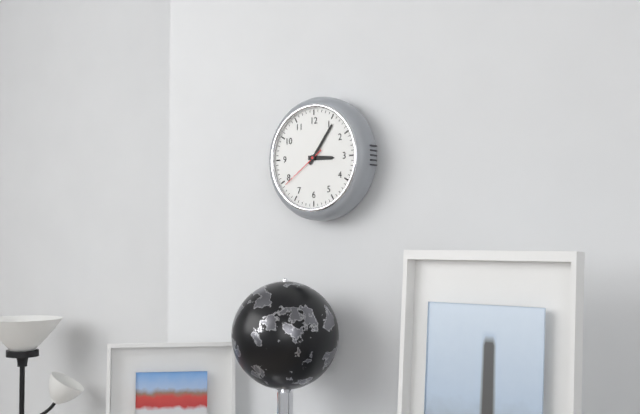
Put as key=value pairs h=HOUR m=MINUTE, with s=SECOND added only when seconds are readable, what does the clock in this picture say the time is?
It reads h=3 m=6 s=39
